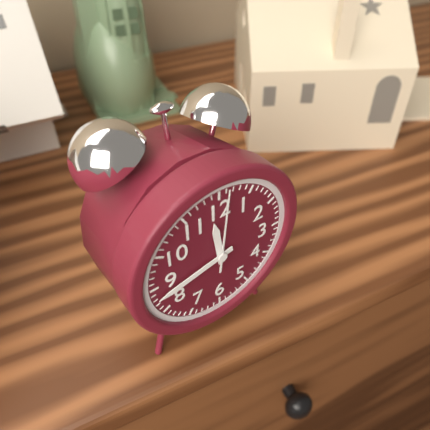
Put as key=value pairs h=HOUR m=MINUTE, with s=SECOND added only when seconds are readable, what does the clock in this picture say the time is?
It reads h=11 m=43 s=1
